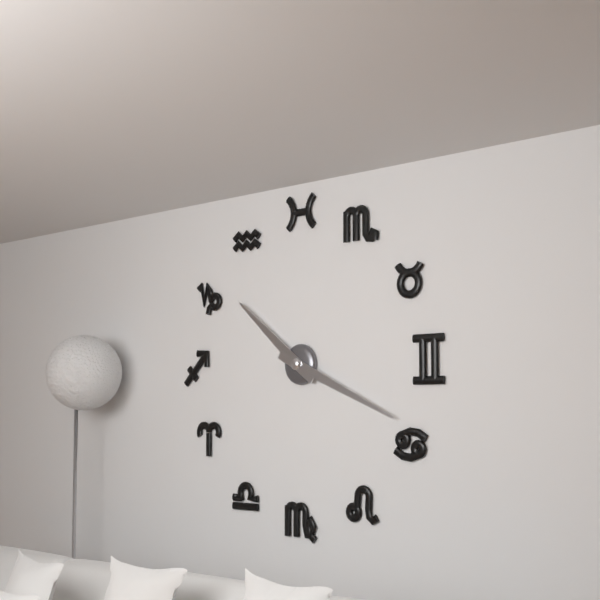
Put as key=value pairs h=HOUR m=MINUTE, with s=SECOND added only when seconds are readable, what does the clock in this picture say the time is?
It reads h=10 m=19
